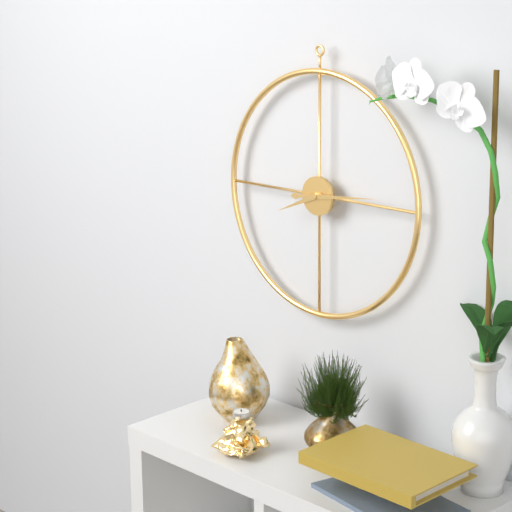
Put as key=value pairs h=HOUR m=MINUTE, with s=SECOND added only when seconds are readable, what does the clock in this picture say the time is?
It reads h=8 m=14
